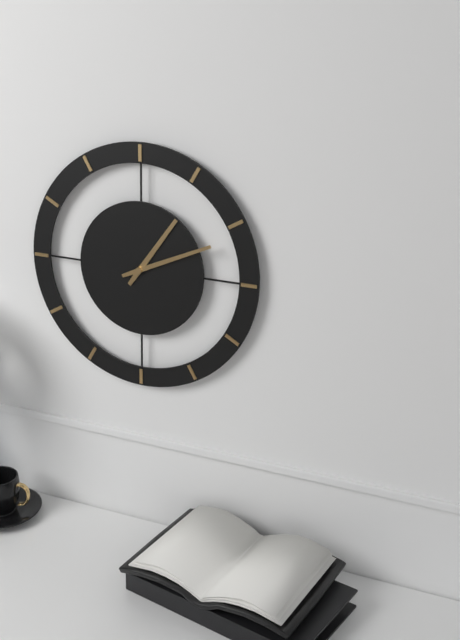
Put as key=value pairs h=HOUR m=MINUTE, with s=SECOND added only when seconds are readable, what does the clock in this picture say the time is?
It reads h=1 m=11
